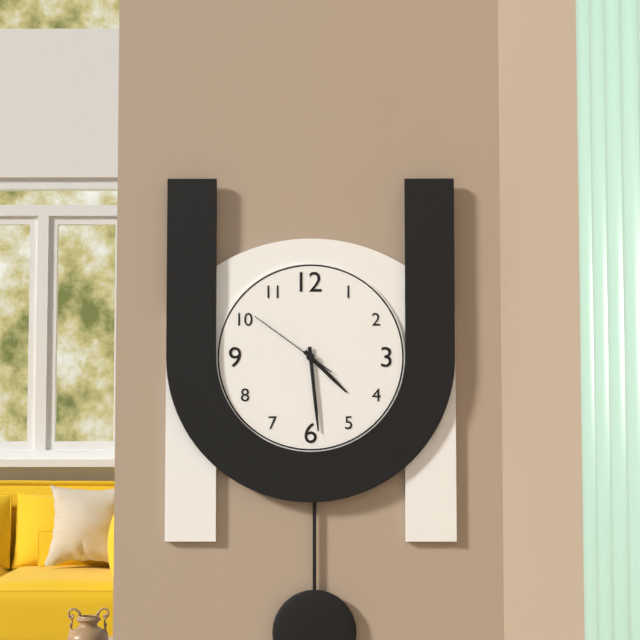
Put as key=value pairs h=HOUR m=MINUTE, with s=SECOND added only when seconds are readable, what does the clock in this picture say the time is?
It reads h=4 m=29 s=51
